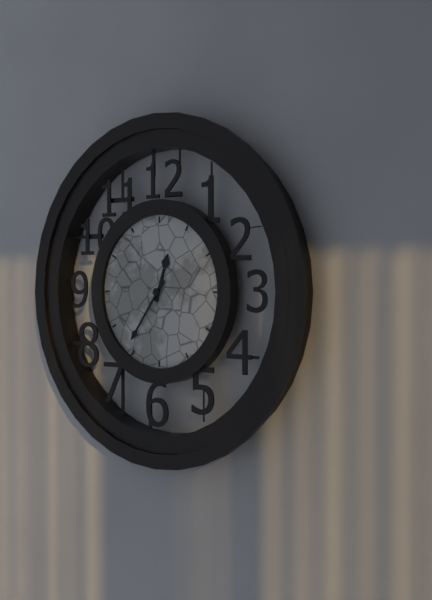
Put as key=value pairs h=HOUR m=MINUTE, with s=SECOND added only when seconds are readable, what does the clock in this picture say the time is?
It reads h=12 m=36
